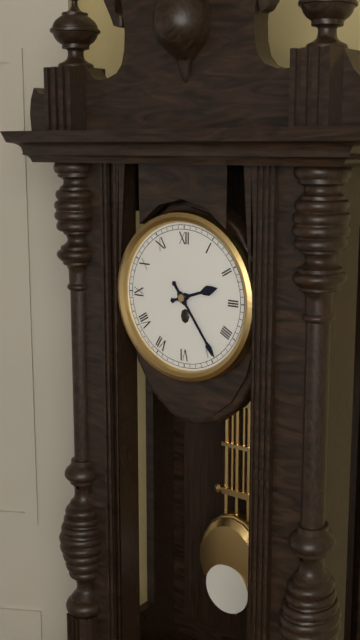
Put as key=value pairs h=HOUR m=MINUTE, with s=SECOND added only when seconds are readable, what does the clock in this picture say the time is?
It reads h=2 m=24
